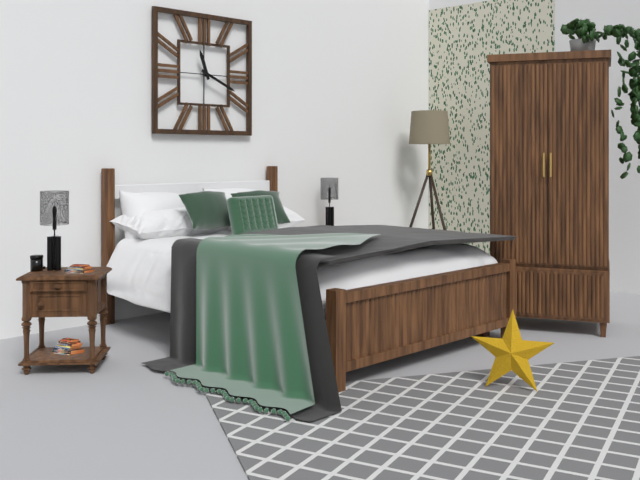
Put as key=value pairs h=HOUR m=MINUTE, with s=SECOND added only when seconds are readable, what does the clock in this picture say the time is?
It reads h=11 m=19
